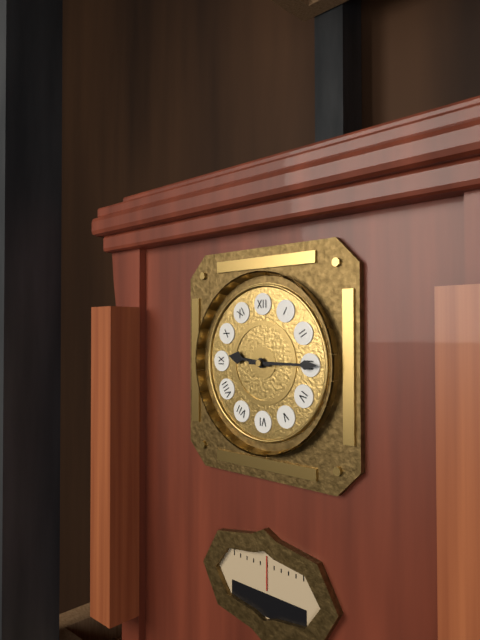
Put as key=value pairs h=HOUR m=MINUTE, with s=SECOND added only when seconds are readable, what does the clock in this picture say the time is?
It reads h=9 m=15
